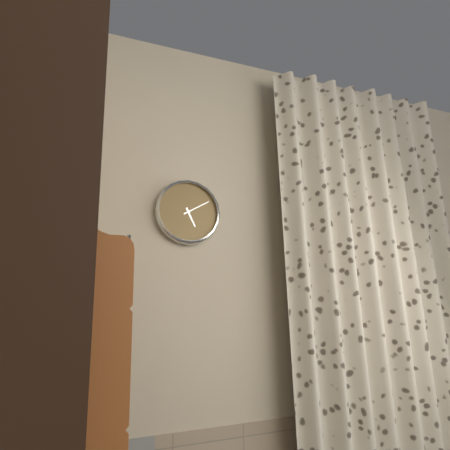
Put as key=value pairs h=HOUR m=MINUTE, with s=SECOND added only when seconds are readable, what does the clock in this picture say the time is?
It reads h=5 m=10
